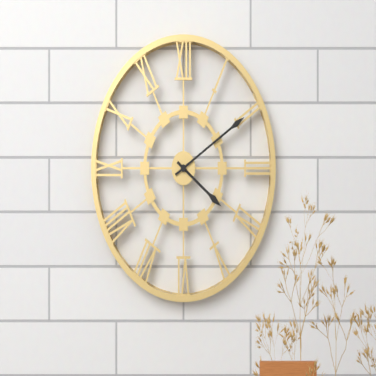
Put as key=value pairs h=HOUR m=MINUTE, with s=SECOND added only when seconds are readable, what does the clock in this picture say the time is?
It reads h=4 m=10
